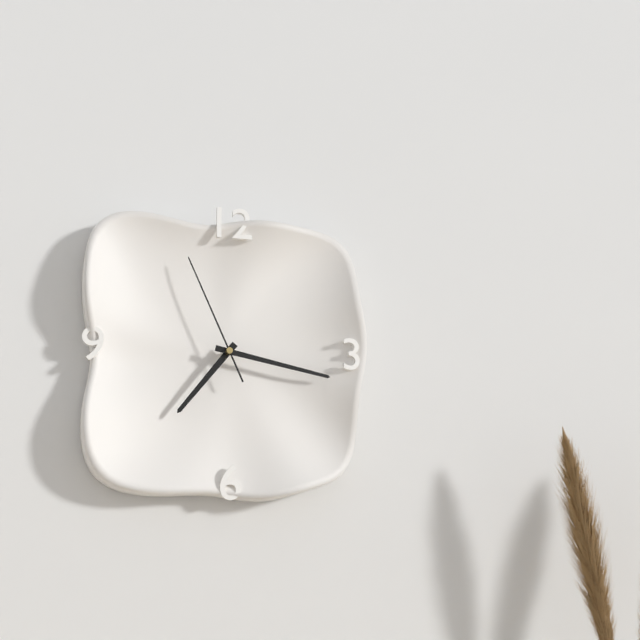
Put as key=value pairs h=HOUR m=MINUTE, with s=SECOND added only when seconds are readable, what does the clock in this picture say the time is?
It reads h=7 m=17 s=56
